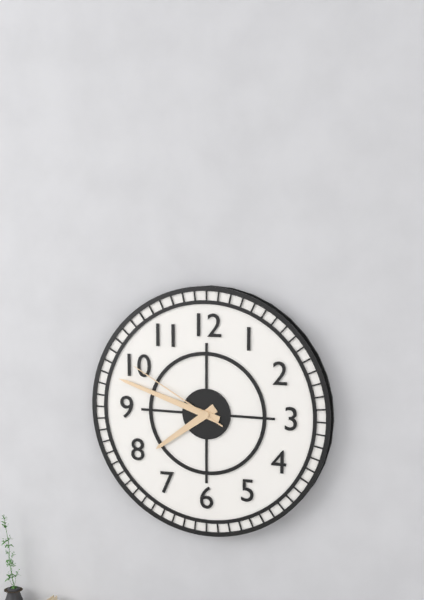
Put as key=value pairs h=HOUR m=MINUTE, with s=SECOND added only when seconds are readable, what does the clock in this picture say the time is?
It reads h=7 m=48 s=50
